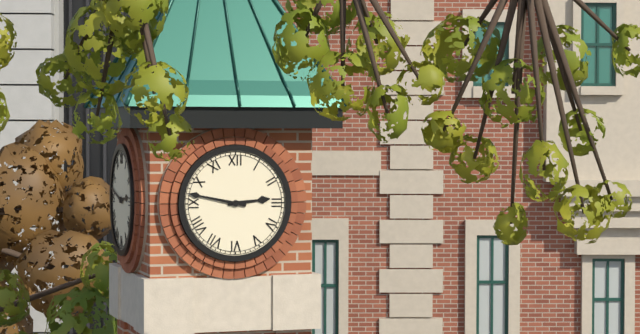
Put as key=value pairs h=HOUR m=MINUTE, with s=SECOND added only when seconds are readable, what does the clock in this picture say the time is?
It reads h=2 m=47
